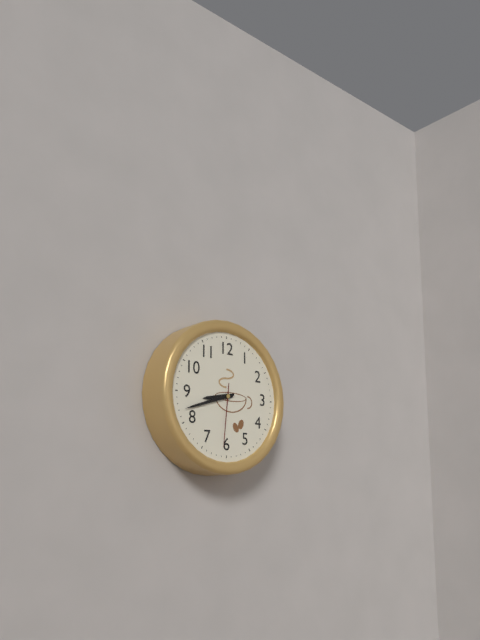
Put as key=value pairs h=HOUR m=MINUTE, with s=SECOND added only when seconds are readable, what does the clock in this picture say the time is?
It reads h=8 m=42 s=31
